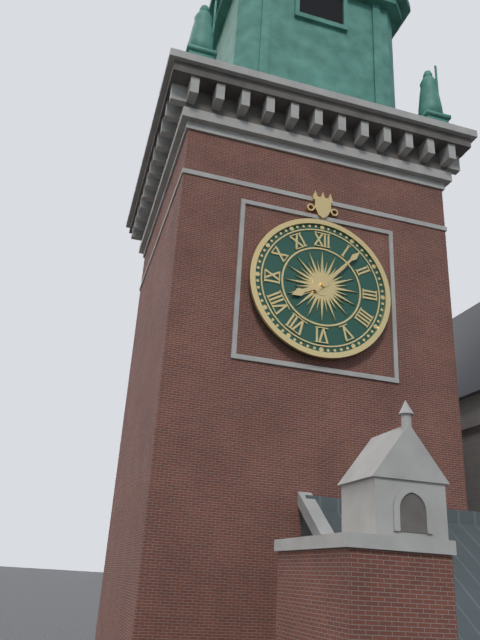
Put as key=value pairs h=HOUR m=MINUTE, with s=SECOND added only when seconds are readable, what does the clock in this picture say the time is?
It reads h=8 m=7
